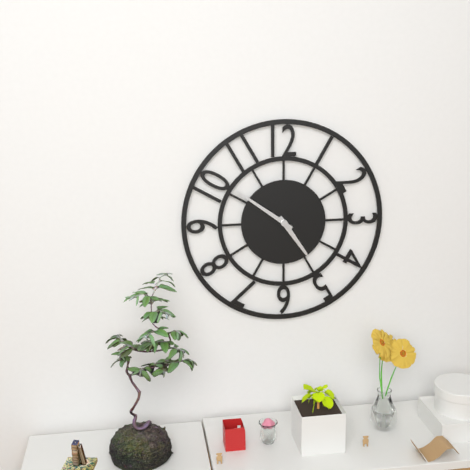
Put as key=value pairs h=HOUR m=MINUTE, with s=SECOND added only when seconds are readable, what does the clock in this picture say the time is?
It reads h=4 m=51
